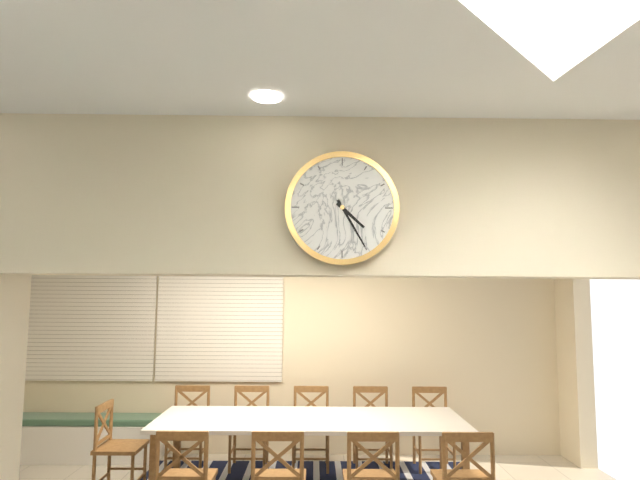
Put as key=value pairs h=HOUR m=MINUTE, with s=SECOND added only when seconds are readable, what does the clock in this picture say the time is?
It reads h=4 m=25
